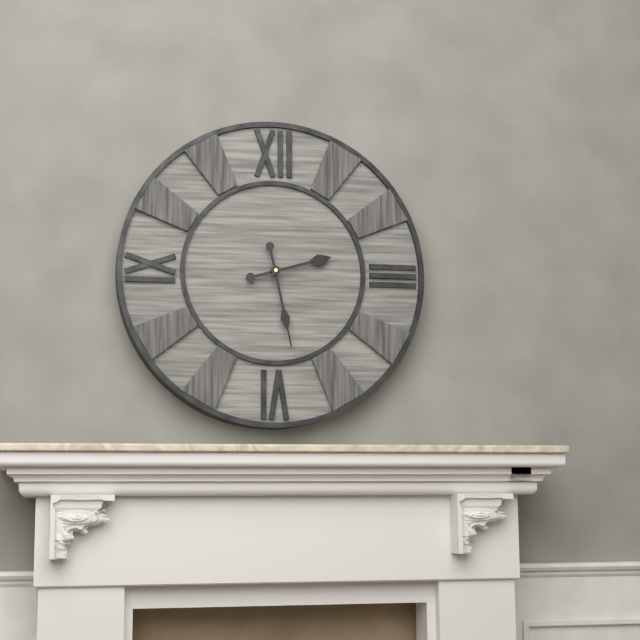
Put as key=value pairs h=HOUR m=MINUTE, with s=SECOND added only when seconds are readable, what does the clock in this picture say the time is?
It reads h=2 m=28
